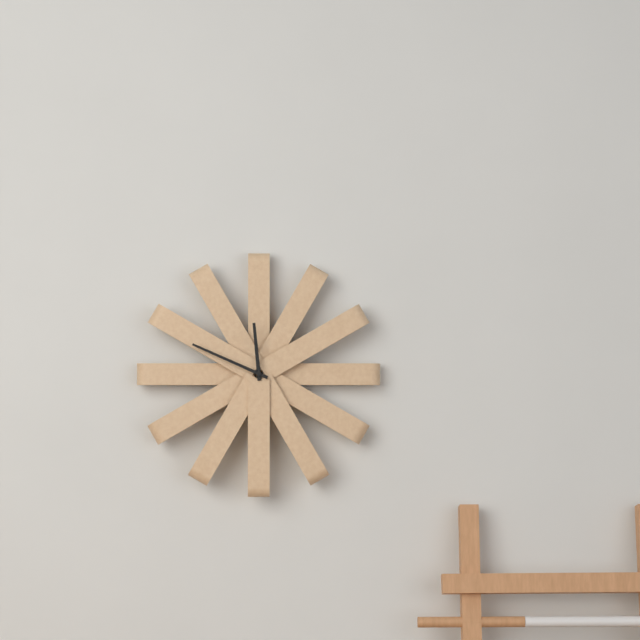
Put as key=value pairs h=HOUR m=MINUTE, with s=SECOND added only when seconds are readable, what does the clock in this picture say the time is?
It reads h=11 m=49
